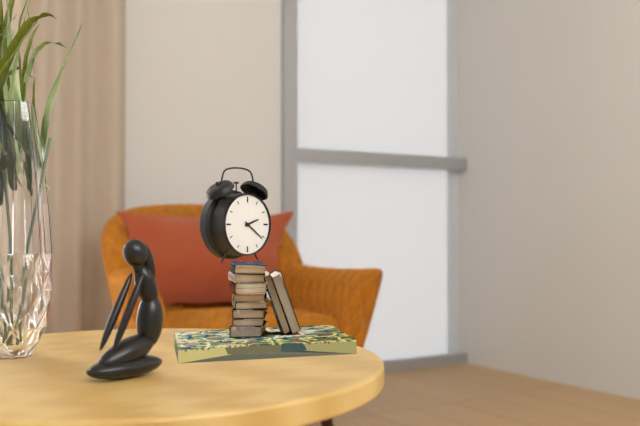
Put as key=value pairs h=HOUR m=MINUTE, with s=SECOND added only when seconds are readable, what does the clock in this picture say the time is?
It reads h=2 m=21
